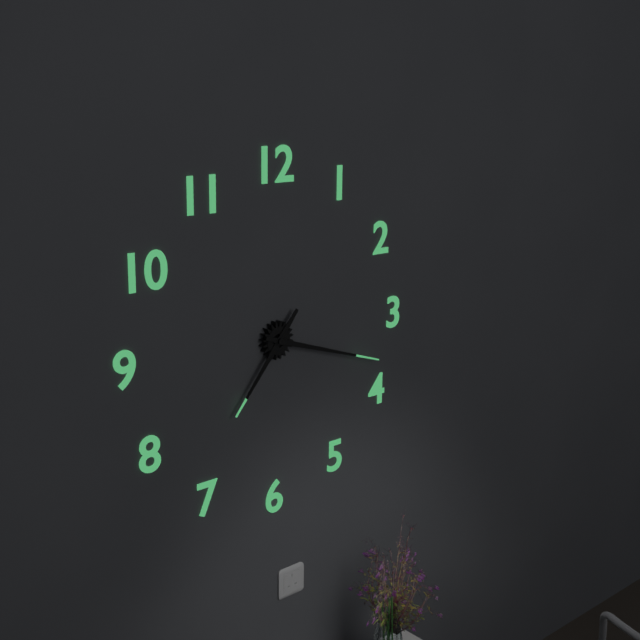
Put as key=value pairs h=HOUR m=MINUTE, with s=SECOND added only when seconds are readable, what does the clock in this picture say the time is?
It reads h=7 m=18
